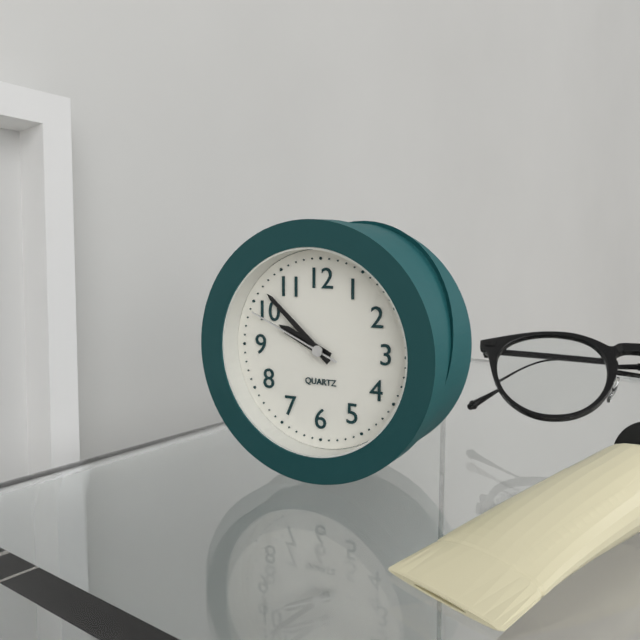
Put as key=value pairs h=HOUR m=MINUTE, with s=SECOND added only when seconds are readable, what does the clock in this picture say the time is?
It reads h=9 m=52 s=49
